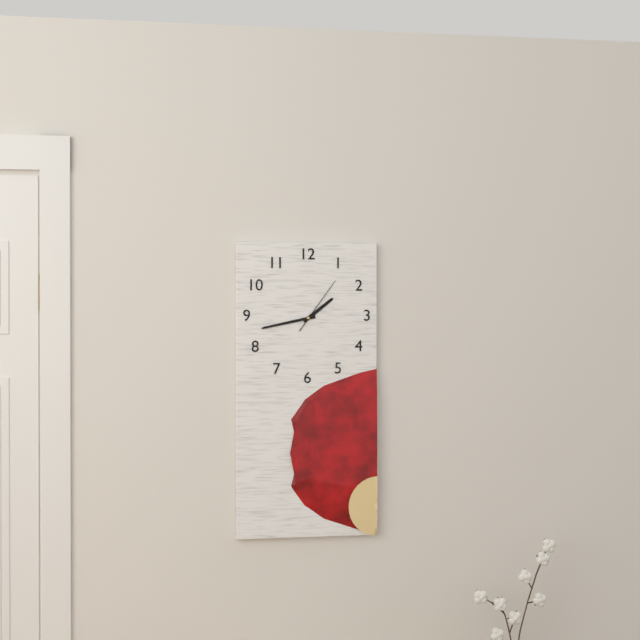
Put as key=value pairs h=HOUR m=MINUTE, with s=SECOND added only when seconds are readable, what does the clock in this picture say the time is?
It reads h=1 m=43 s=6
